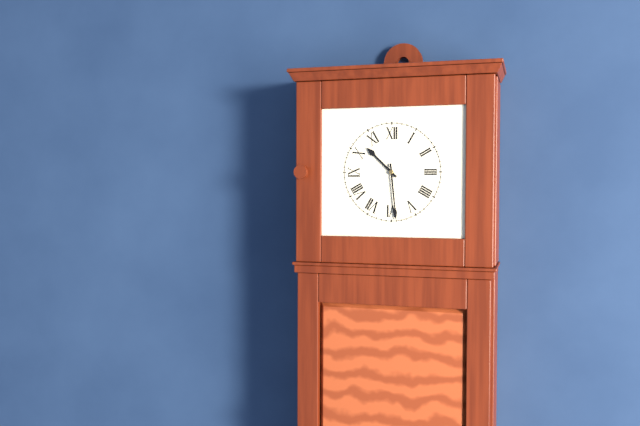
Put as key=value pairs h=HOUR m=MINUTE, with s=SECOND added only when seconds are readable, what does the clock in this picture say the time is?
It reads h=10 m=29
